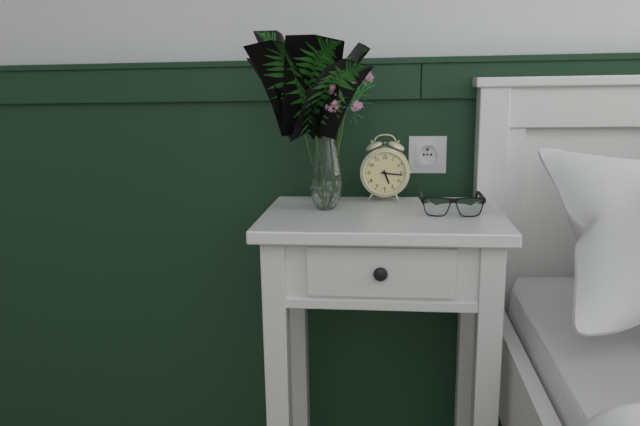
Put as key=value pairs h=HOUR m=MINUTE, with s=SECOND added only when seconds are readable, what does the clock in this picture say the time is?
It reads h=5 m=16
